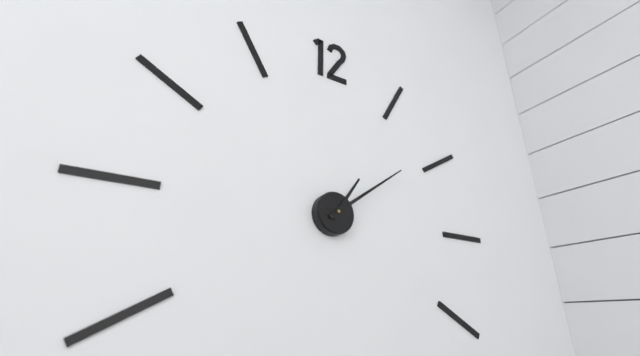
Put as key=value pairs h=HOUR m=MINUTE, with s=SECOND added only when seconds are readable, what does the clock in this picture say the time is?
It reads h=1 m=9
